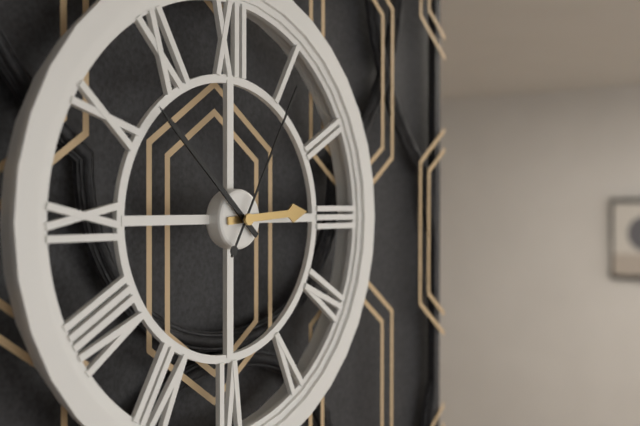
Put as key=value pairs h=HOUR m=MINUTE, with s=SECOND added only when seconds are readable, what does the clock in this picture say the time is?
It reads h=2 m=52 s=5
